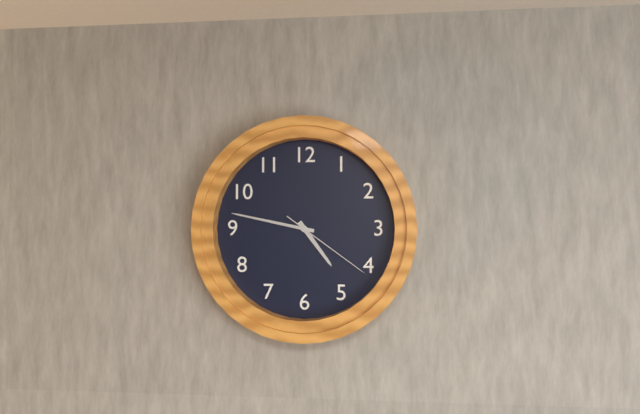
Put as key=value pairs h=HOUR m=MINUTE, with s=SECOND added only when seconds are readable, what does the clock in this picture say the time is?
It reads h=4 m=47 s=21
